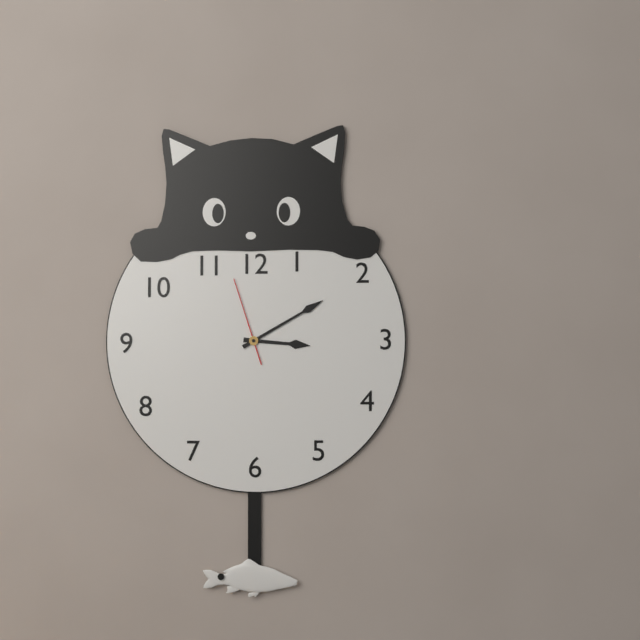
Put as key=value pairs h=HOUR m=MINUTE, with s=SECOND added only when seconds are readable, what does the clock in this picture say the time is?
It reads h=3 m=10 s=57
